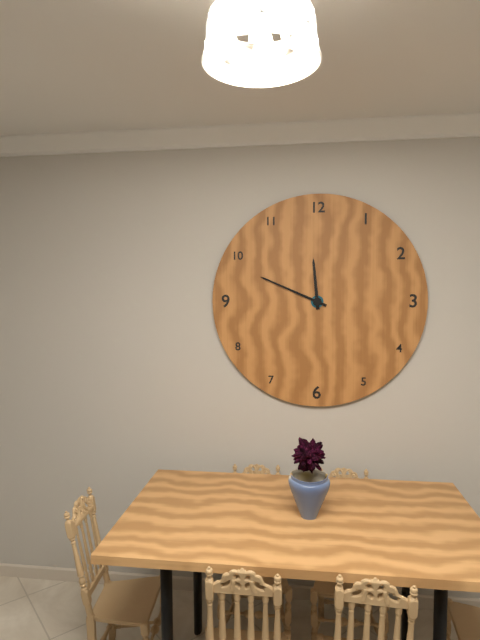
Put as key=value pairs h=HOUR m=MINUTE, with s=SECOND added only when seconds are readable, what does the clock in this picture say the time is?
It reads h=11 m=49
